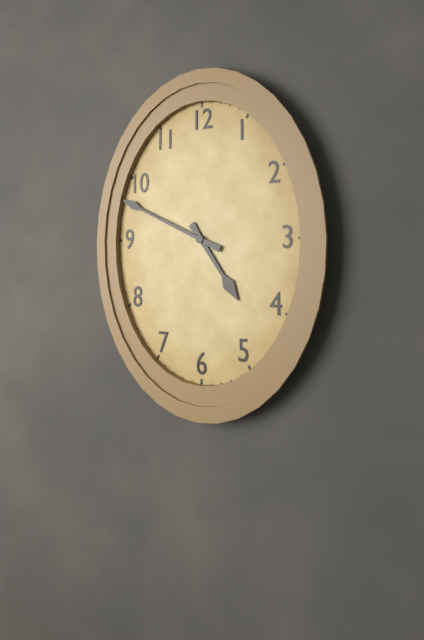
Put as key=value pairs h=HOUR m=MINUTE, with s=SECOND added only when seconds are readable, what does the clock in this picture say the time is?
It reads h=4 m=49
